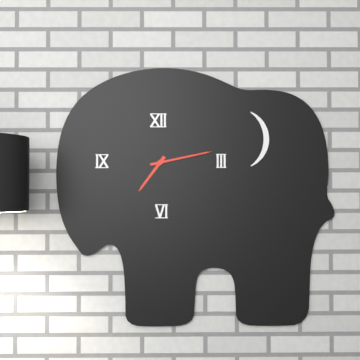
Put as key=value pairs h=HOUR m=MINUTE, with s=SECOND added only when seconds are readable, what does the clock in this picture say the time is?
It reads h=7 m=13
